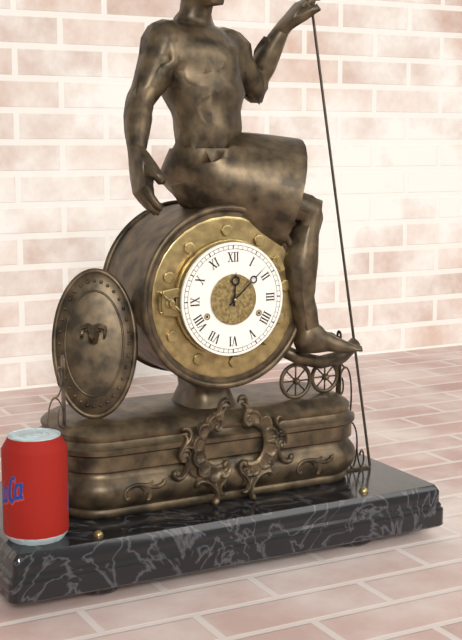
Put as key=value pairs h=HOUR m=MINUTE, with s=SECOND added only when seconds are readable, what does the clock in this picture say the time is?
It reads h=12 m=8
